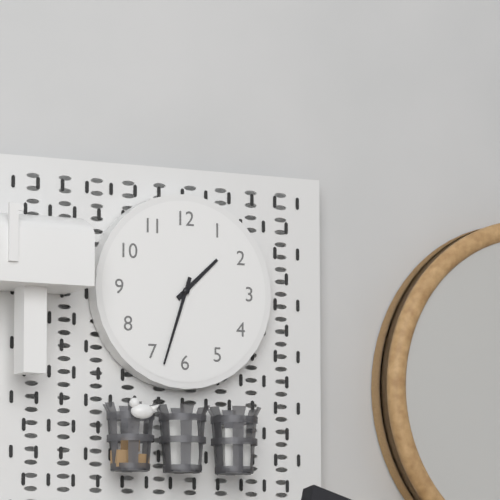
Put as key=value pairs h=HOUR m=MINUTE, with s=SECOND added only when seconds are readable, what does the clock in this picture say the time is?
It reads h=1 m=33
